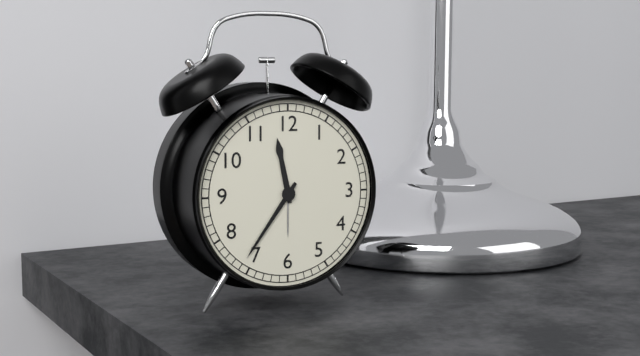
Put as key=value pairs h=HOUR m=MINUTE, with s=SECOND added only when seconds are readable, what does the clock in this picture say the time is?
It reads h=11 m=36
